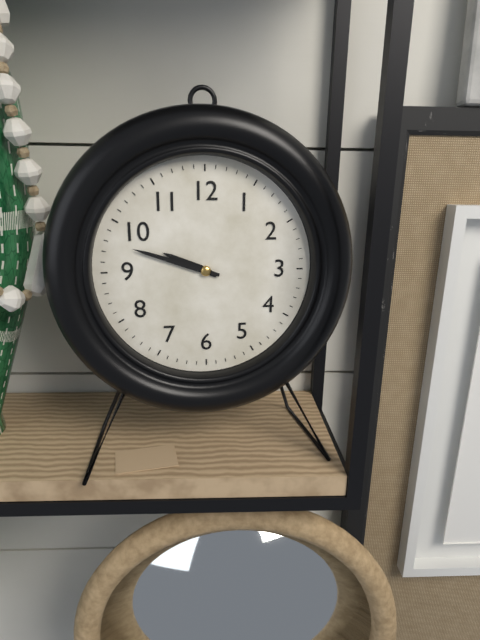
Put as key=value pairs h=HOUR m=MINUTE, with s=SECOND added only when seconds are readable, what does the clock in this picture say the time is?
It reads h=9 m=48
